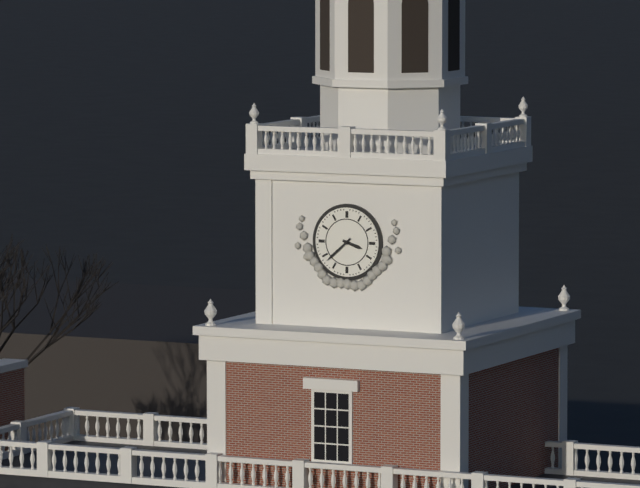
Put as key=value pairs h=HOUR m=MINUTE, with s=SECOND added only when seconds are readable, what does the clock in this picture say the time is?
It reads h=3 m=38
